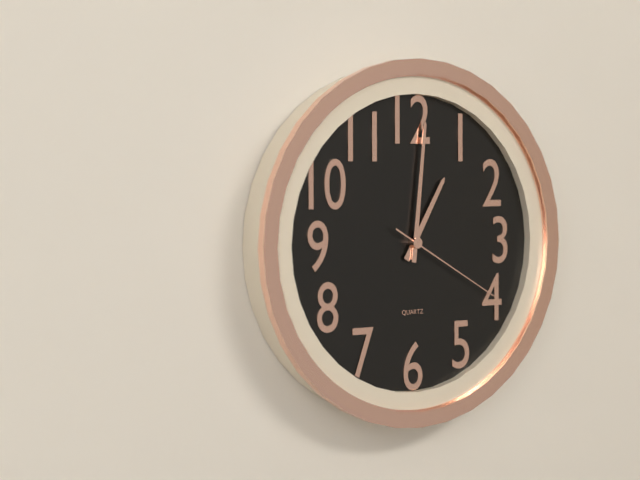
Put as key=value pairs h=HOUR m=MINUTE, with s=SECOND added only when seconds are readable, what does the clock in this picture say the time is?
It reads h=1 m=1 s=20
